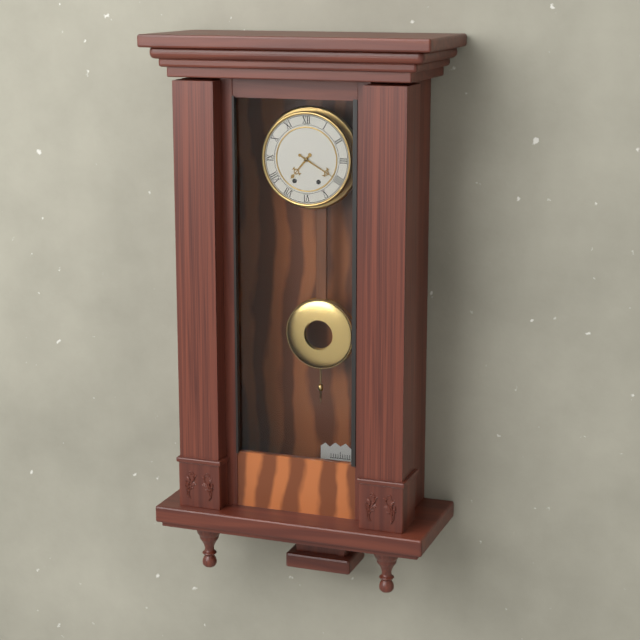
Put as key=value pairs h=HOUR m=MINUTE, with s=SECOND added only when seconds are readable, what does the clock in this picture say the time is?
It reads h=7 m=20
